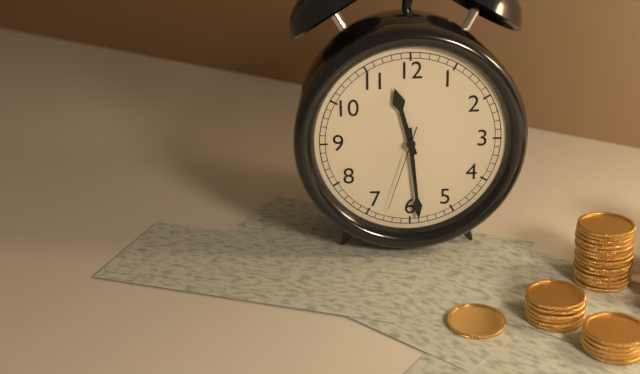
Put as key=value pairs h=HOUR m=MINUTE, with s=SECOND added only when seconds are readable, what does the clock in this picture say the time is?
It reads h=11 m=29 s=33
